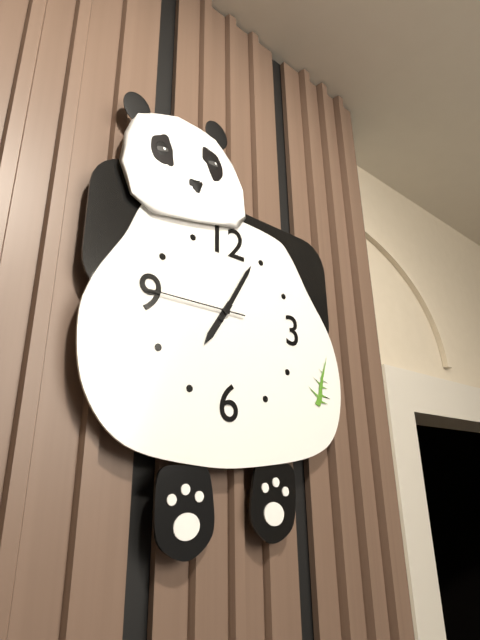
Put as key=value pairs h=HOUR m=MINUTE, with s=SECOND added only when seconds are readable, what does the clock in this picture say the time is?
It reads h=7 m=5 s=45
